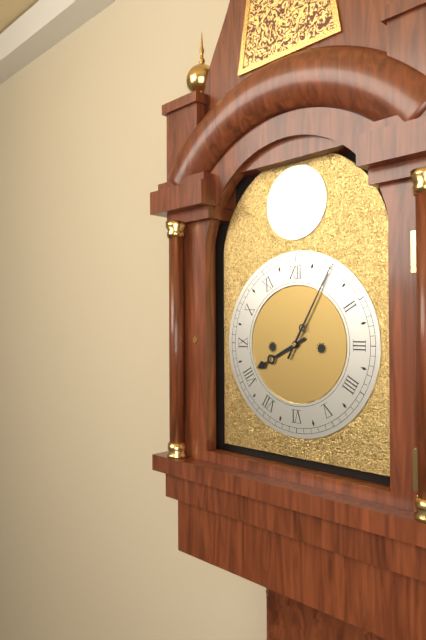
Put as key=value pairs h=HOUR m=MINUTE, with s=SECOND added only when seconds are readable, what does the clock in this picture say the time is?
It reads h=8 m=5
